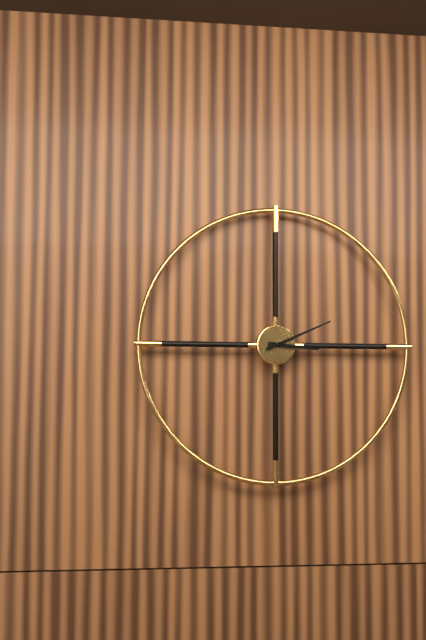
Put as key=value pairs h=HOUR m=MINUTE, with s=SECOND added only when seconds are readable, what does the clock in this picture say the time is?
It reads h=3 m=11
